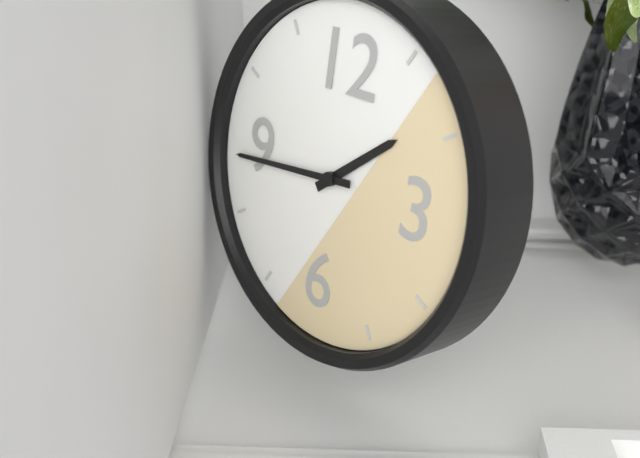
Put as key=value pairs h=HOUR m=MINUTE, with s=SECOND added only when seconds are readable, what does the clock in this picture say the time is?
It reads h=1 m=44
